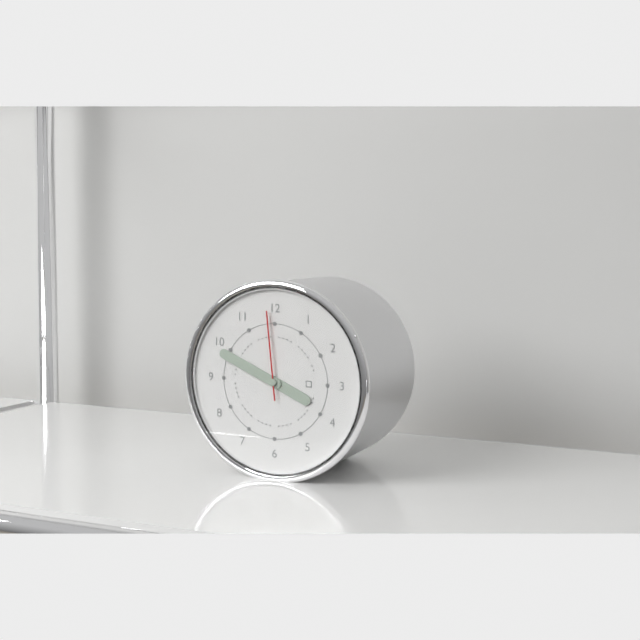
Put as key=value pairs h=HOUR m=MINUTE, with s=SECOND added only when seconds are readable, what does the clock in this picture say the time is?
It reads h=3 m=49 s=59
